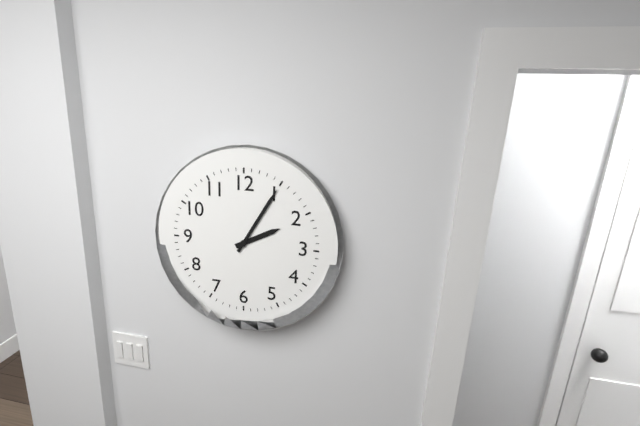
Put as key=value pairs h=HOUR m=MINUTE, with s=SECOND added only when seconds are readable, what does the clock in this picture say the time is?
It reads h=2 m=5
